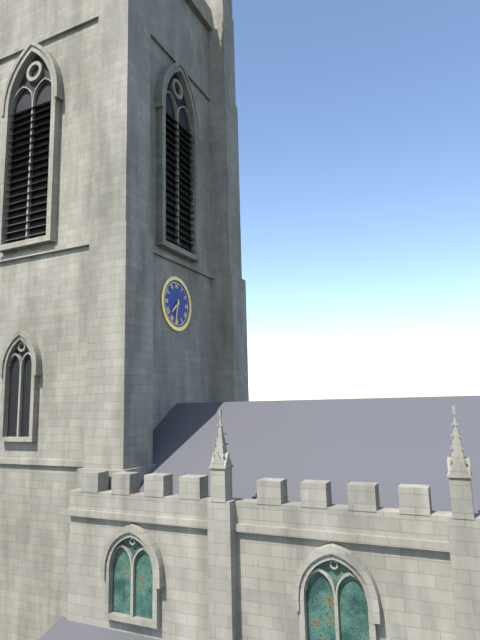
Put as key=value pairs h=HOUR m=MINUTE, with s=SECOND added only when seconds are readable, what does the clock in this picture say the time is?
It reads h=7 m=32
